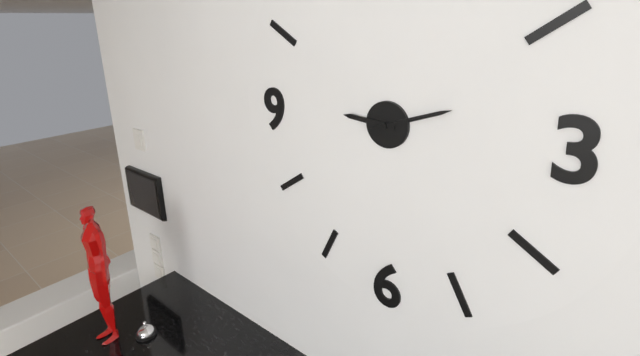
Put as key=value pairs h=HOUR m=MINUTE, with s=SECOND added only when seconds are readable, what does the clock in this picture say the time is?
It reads h=9 m=12 s=12
